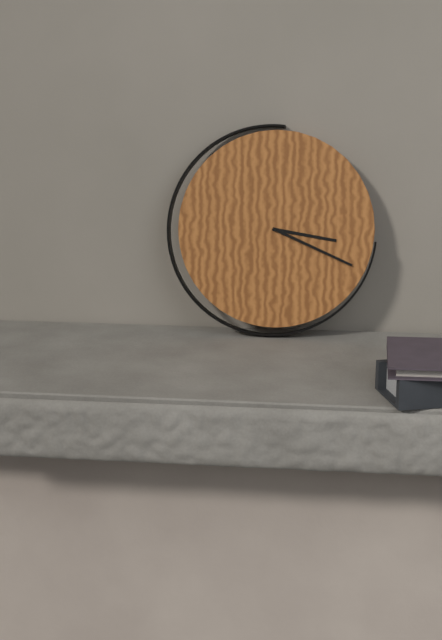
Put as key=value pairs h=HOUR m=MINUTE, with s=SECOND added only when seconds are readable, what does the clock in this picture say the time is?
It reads h=3 m=19
